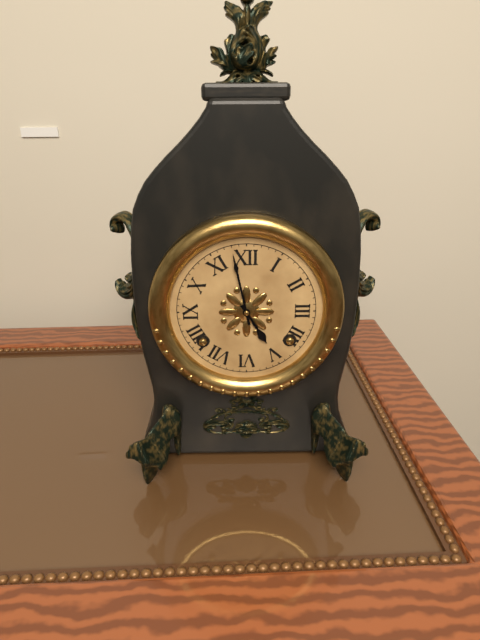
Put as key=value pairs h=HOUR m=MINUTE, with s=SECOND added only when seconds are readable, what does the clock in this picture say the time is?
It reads h=4 m=58
